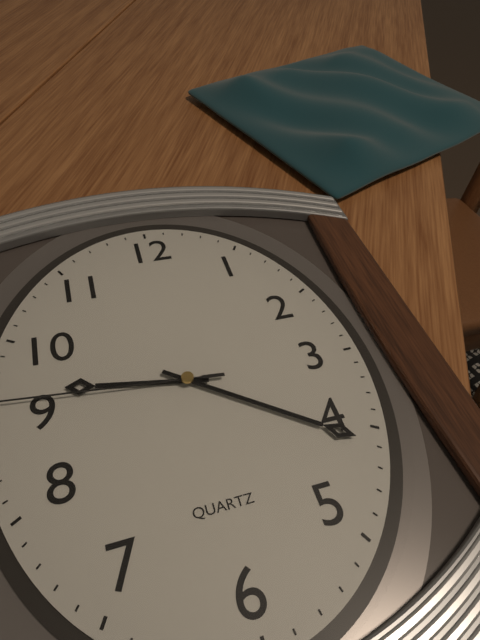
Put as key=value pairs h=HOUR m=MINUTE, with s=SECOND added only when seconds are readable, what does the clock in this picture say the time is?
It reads h=9 m=21
